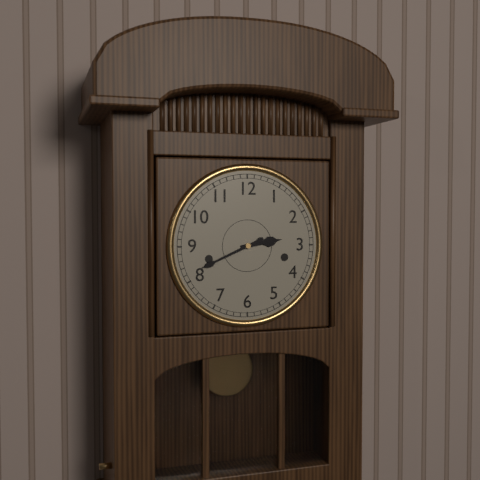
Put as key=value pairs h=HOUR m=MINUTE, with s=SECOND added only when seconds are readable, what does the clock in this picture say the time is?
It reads h=2 m=41
